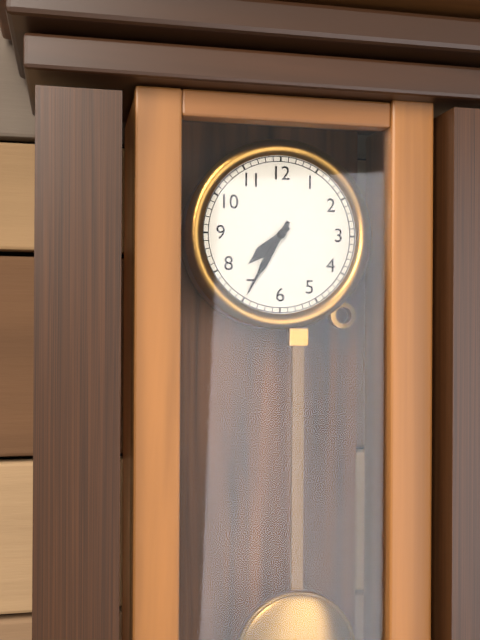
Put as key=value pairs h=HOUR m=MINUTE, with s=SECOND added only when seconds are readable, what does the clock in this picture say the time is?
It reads h=7 m=35
